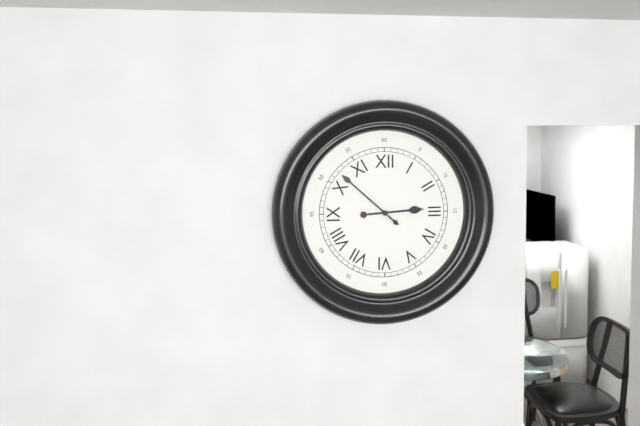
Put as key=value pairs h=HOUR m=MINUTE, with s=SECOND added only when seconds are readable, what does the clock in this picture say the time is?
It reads h=2 m=52
